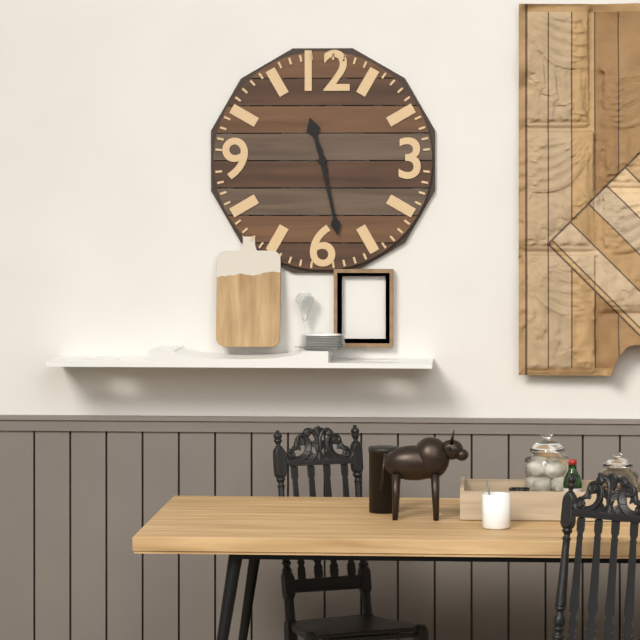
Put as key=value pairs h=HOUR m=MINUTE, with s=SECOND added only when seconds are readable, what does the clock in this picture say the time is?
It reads h=11 m=28
